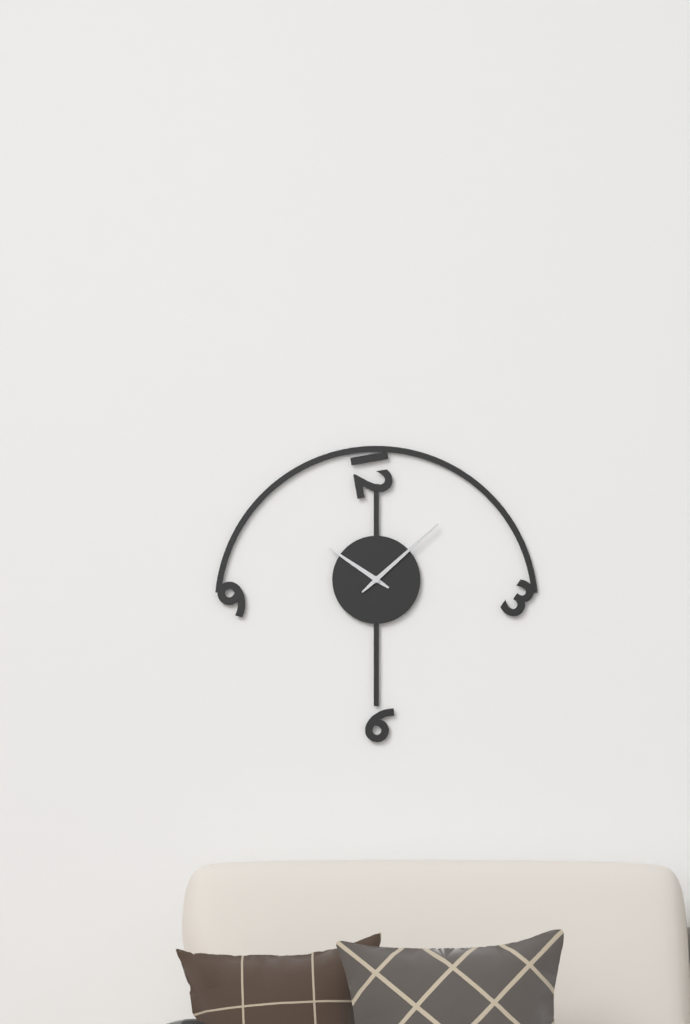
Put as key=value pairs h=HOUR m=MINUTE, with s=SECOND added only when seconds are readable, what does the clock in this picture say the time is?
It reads h=10 m=8
